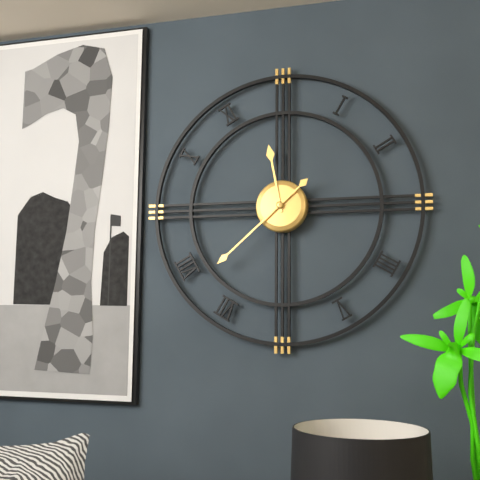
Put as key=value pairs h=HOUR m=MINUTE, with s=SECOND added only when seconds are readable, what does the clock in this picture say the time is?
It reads h=11 m=38
